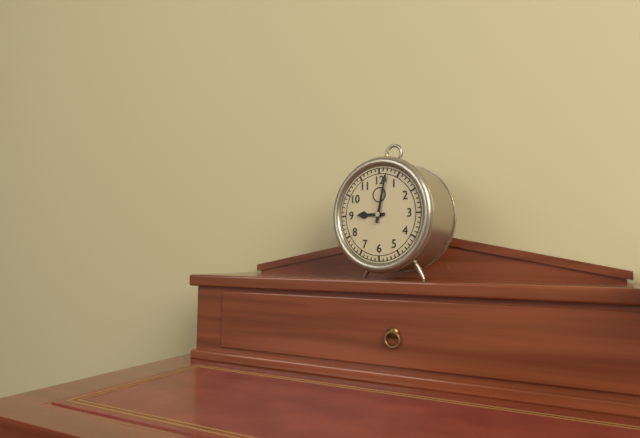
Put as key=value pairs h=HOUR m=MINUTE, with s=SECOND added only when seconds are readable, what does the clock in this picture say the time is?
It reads h=9 m=2
